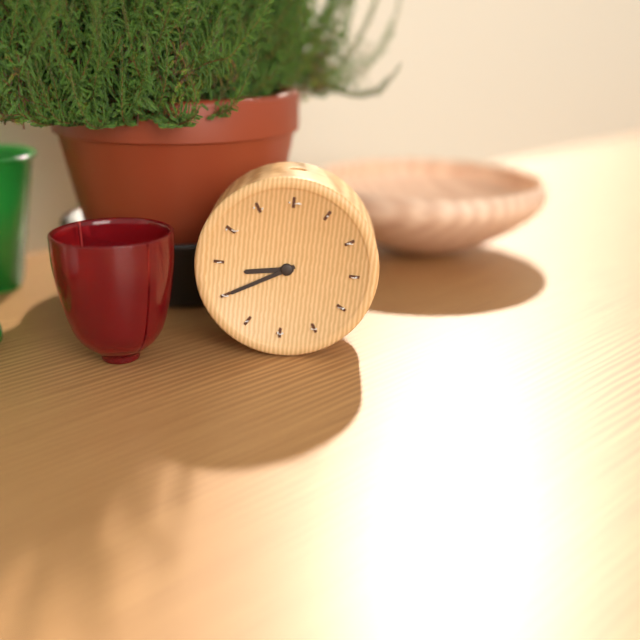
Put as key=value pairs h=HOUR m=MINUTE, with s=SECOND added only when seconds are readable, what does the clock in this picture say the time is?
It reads h=8 m=40
